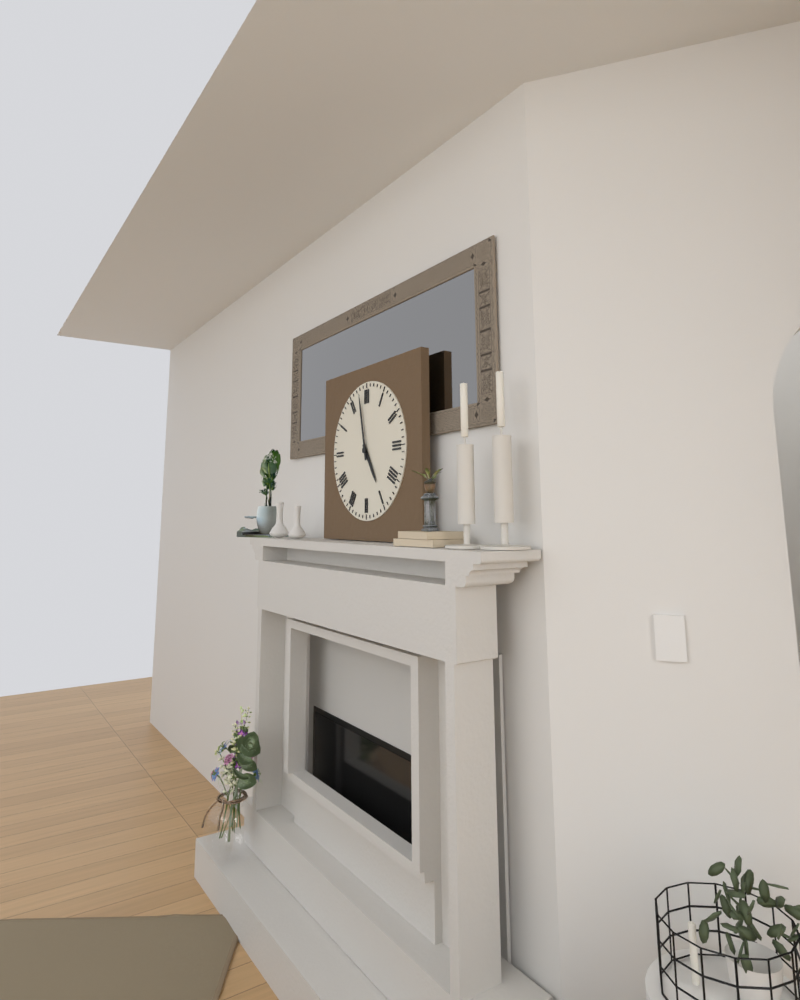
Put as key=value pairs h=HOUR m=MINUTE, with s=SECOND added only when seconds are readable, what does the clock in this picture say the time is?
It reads h=4 m=58
